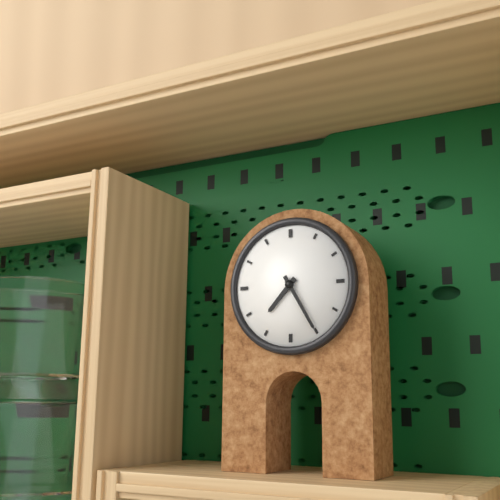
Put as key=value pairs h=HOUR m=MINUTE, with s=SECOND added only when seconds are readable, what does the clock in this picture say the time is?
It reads h=7 m=25
